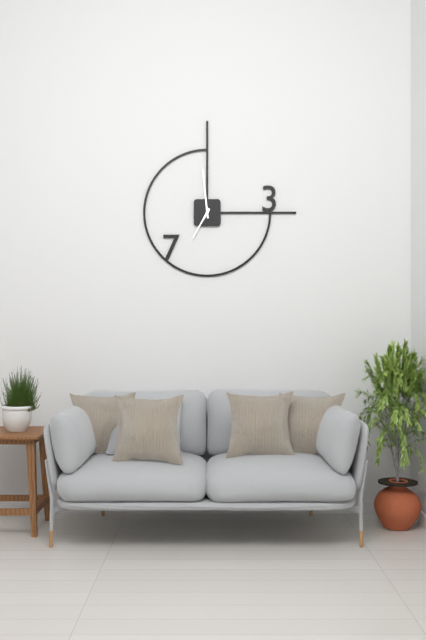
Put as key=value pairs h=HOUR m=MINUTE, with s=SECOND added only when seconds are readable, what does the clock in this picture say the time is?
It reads h=6 m=59
